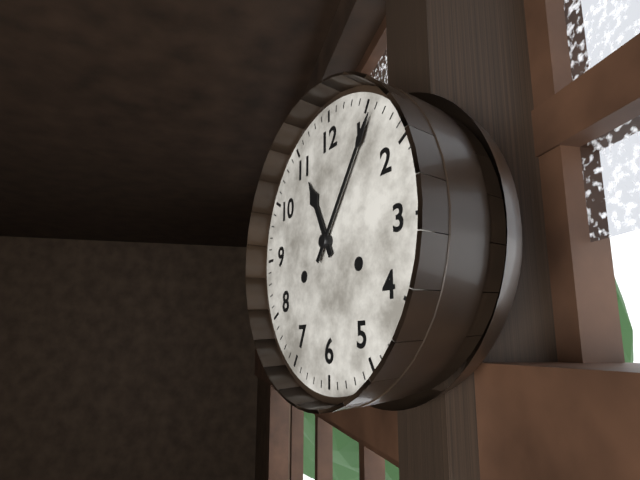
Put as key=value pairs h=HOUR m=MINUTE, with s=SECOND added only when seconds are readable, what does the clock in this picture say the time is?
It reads h=11 m=6
